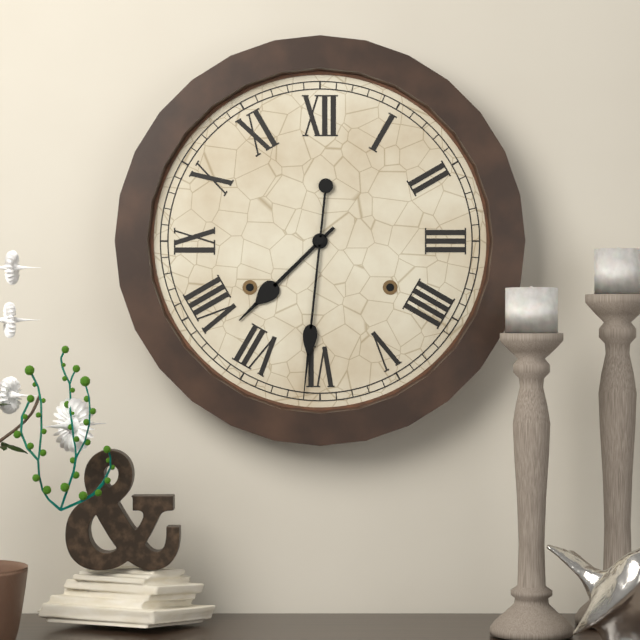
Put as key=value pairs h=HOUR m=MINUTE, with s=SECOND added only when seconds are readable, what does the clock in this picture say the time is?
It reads h=7 m=31
